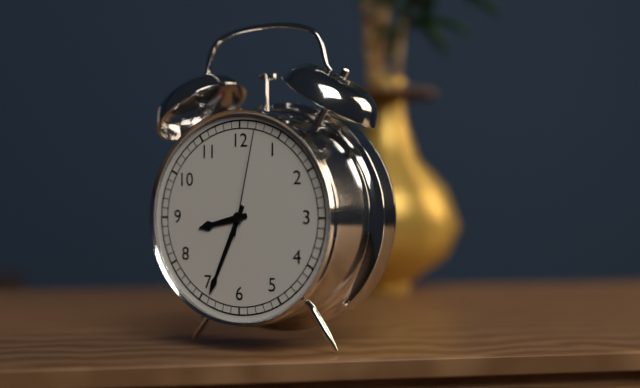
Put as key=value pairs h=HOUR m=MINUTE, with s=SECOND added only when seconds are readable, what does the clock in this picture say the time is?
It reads h=8 m=34 s=2
